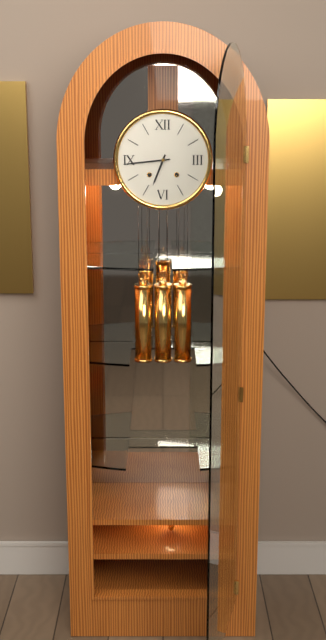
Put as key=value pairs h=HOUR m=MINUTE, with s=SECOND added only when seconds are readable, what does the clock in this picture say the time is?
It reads h=6 m=44
